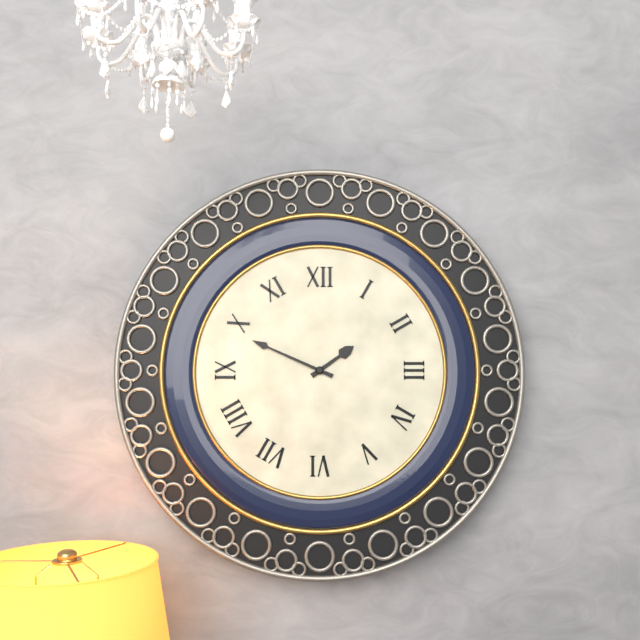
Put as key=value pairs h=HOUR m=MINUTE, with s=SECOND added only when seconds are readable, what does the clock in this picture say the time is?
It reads h=1 m=49
